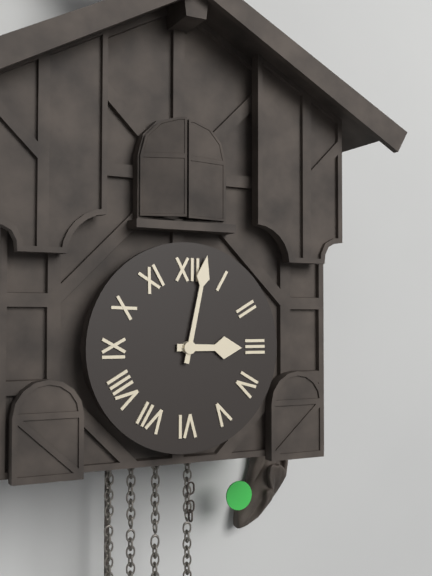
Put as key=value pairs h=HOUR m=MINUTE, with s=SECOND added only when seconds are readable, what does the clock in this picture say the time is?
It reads h=3 m=2
